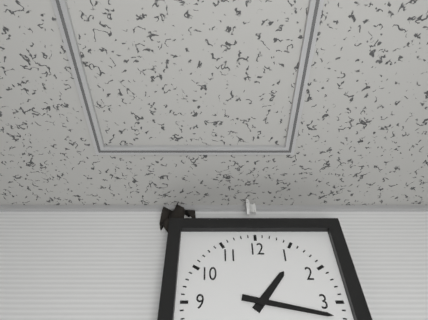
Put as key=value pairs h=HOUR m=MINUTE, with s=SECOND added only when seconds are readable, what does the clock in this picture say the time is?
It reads h=1 m=17
